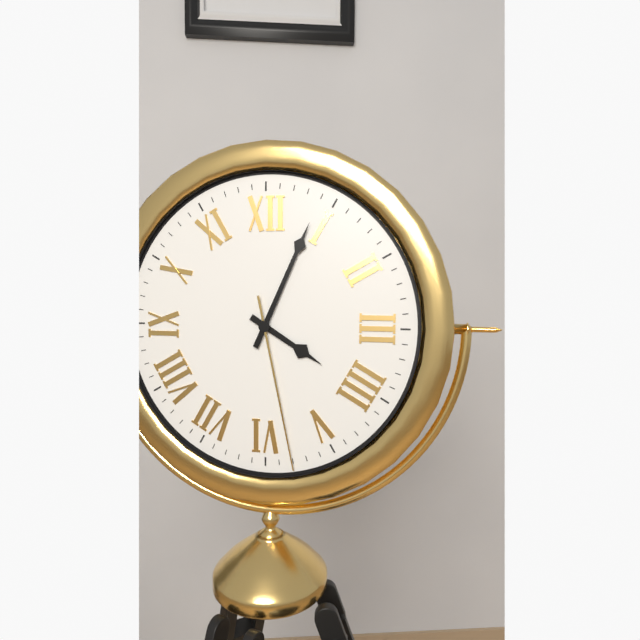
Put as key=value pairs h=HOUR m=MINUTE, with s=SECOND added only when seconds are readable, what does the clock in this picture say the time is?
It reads h=4 m=4 s=28
